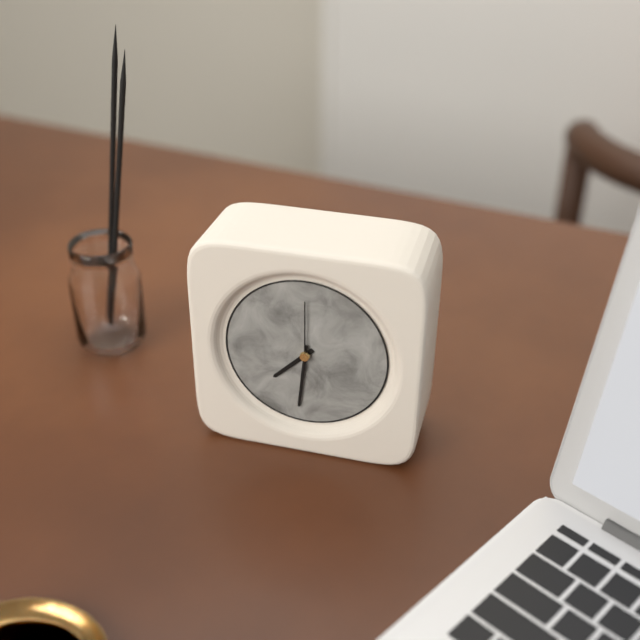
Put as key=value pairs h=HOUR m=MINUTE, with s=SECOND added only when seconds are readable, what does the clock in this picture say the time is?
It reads h=7 m=31 s=0
